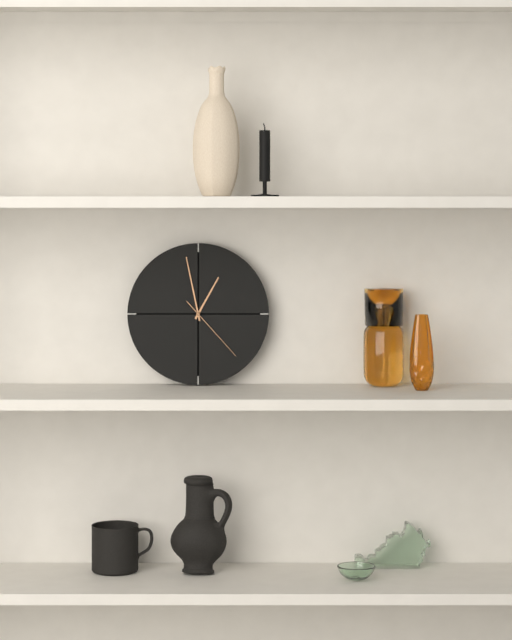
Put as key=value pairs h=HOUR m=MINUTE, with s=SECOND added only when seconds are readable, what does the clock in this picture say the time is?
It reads h=12 m=58 s=23
